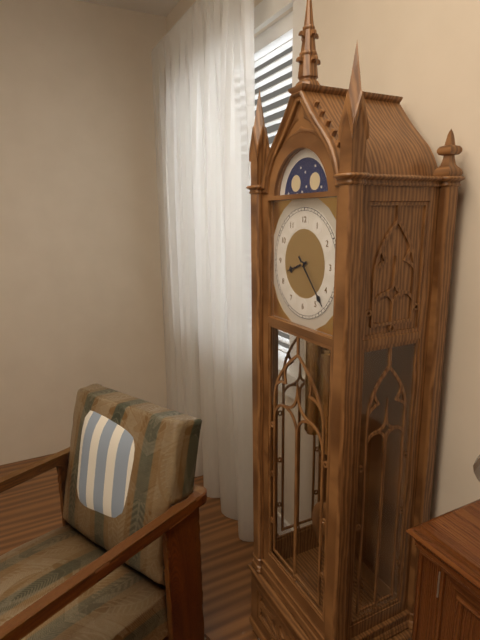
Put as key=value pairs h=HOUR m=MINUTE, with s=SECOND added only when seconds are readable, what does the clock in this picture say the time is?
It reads h=8 m=23
